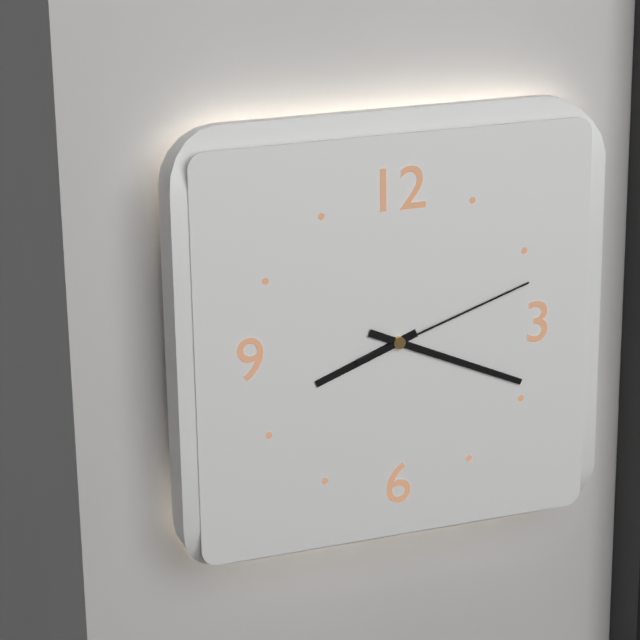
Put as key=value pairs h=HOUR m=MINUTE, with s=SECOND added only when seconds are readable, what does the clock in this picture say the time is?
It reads h=8 m=19 s=12
